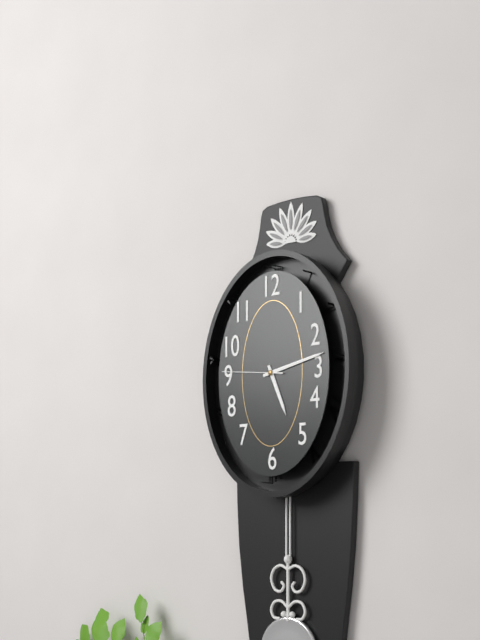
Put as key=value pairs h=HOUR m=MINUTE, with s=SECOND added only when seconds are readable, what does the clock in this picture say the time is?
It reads h=5 m=13 s=46
